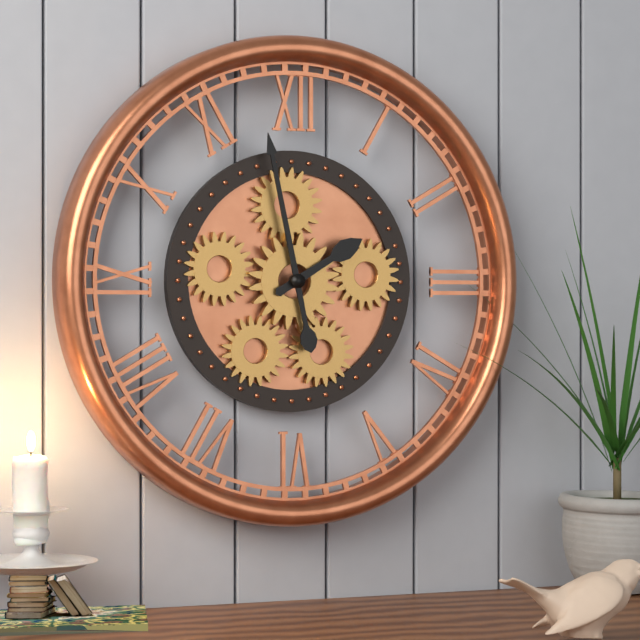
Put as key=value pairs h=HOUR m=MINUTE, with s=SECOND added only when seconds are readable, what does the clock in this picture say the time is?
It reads h=1 m=58
